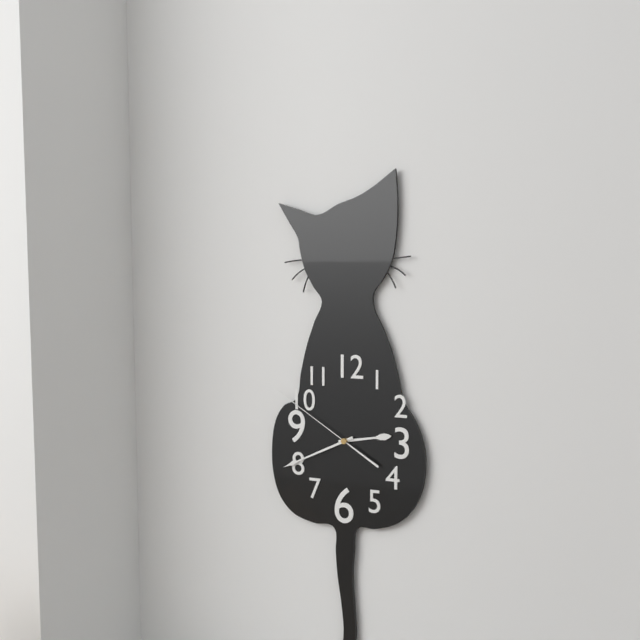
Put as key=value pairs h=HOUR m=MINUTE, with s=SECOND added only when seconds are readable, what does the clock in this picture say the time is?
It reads h=2 m=41 s=50
